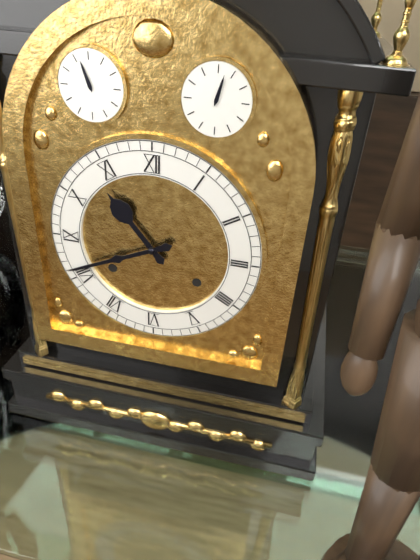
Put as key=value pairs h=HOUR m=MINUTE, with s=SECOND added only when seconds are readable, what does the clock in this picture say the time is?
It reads h=10 m=41
